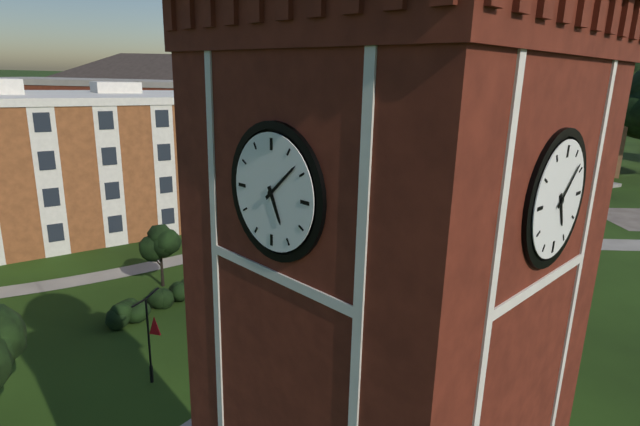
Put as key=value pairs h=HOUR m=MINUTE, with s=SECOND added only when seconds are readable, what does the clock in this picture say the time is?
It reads h=5 m=8
